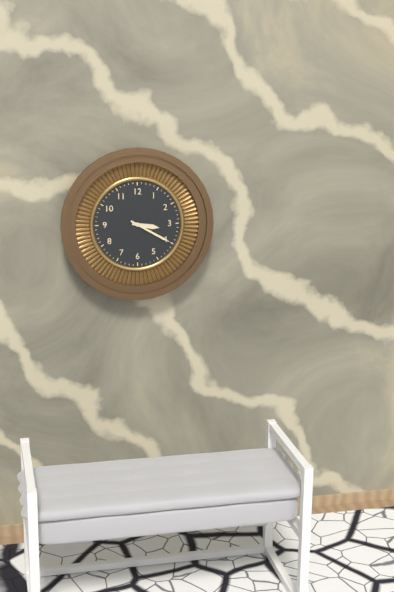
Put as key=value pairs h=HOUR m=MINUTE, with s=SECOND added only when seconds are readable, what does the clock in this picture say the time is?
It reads h=3 m=20
